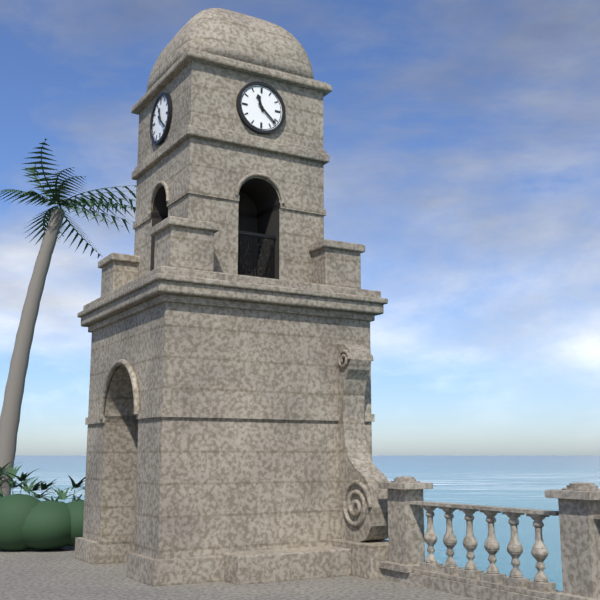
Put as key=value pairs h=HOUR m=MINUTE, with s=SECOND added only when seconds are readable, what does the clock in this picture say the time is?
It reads h=11 m=22
